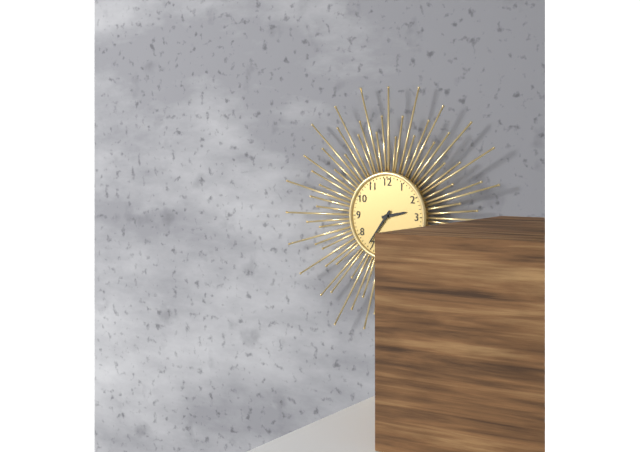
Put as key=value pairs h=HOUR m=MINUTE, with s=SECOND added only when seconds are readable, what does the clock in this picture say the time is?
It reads h=2 m=36
